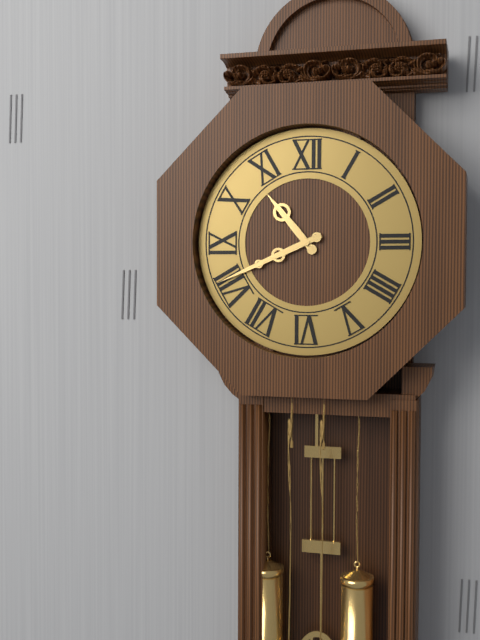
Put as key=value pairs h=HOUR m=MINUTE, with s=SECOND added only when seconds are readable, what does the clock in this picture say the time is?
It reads h=10 m=41
